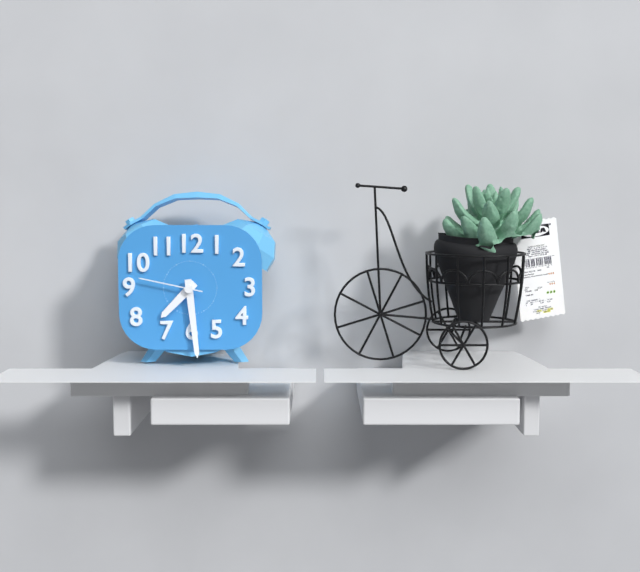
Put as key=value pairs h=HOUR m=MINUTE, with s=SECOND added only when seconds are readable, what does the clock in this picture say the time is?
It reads h=7 m=29 s=47
